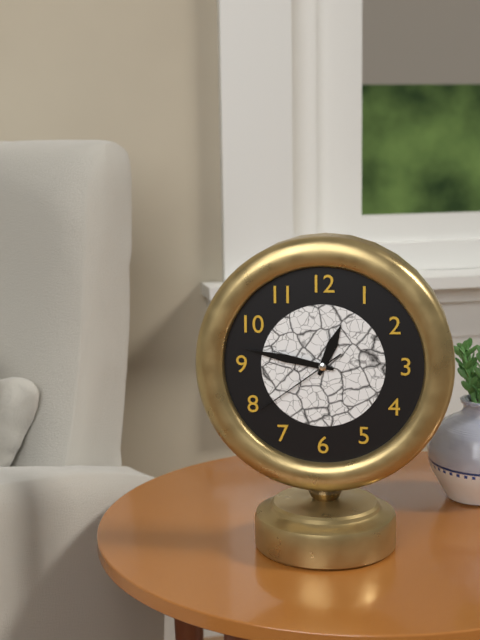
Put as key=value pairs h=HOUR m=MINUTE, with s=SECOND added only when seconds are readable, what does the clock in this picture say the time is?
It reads h=12 m=47 s=39
